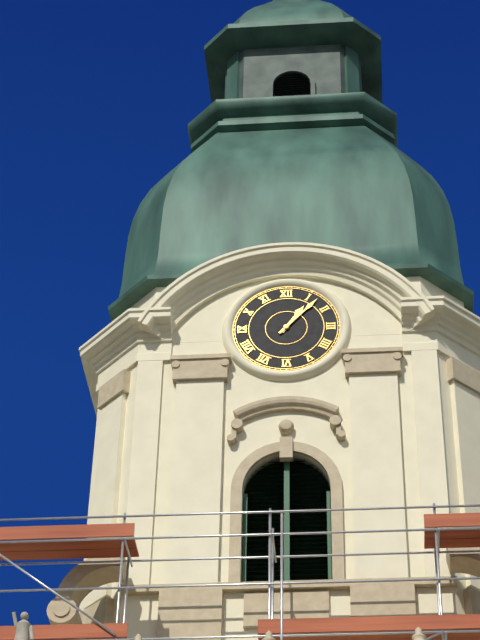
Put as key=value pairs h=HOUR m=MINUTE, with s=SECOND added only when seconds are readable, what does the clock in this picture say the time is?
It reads h=1 m=7
